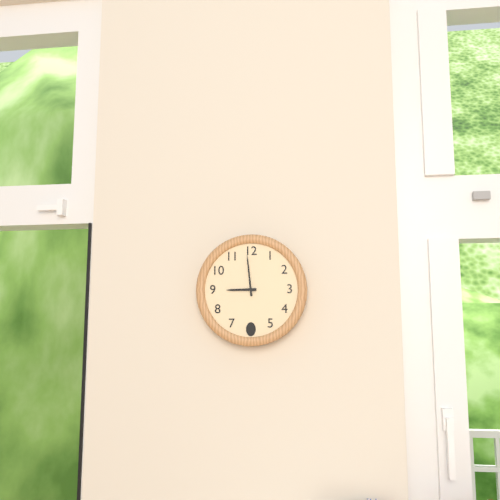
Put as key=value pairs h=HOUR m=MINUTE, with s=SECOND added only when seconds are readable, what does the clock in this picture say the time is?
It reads h=8 m=59
